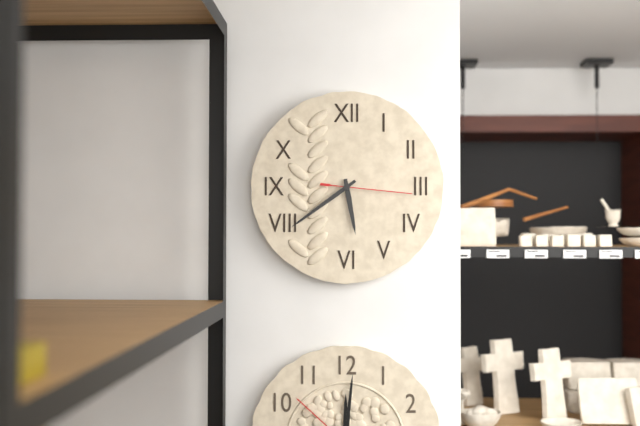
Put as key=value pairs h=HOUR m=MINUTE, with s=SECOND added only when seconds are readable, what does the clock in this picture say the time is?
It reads h=5 m=39 s=16
